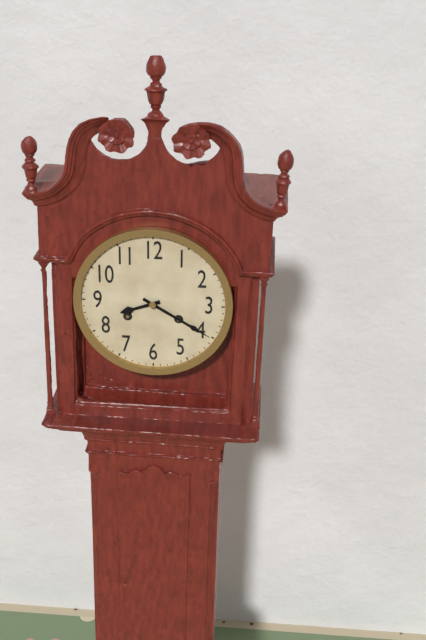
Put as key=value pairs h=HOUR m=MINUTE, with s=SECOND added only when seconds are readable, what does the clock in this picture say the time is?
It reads h=8 m=20
